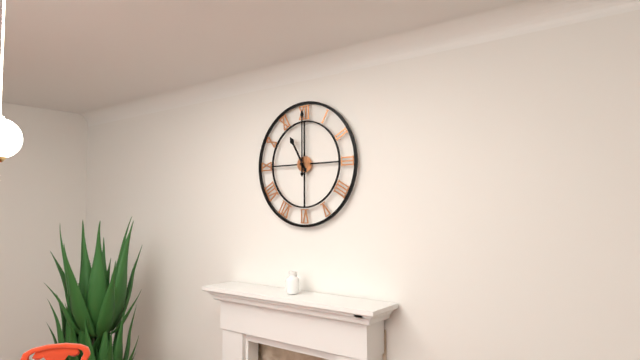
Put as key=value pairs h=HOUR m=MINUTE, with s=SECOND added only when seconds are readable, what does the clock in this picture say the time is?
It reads h=11 m=0
